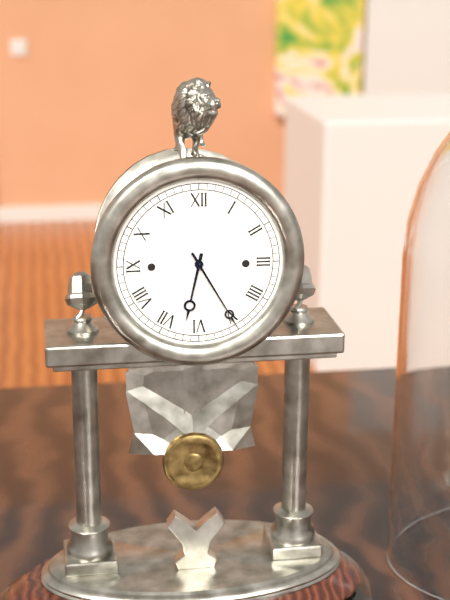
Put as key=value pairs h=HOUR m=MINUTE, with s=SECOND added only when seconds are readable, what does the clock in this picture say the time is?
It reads h=6 m=25
